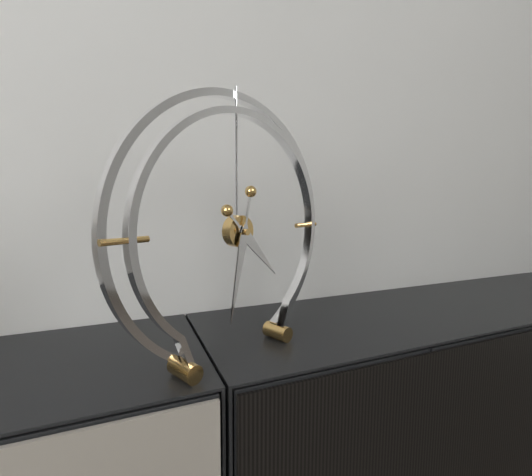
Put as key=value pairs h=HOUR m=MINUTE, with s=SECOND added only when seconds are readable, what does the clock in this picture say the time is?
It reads h=4 m=32
